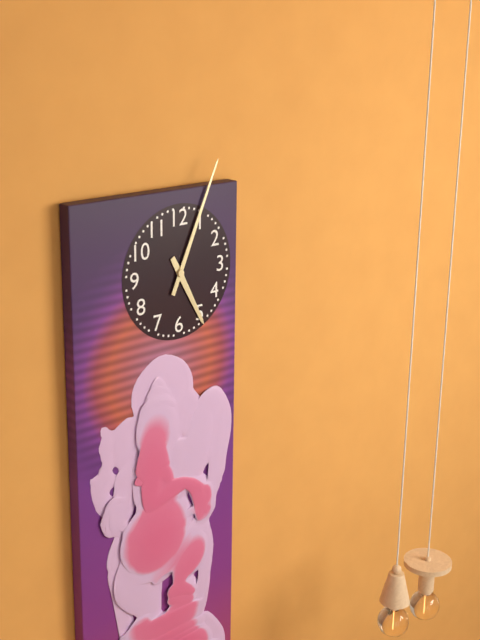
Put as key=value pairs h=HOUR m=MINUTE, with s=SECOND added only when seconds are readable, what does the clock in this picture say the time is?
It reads h=5 m=4
